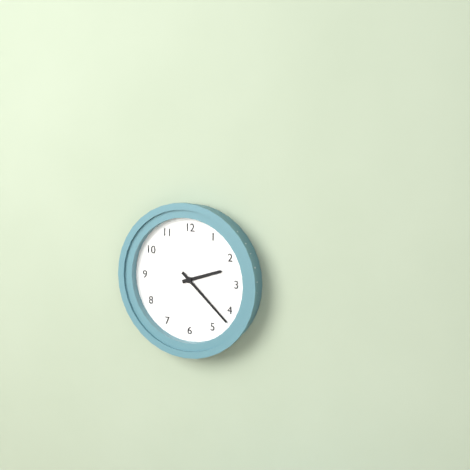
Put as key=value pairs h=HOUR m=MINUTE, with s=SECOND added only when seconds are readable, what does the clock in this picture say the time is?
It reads h=2 m=22
